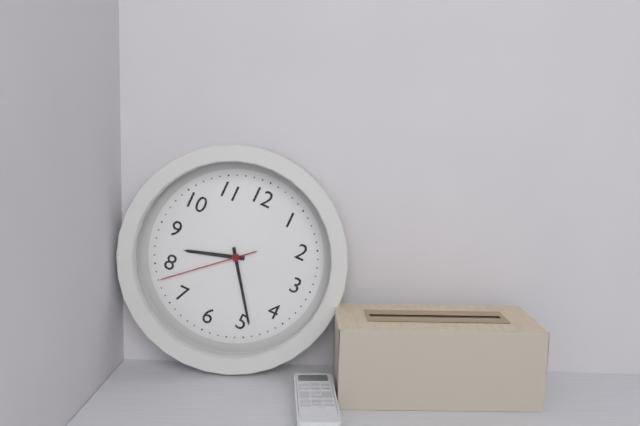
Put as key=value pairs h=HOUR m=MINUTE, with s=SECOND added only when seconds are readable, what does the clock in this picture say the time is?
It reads h=8 m=24 s=38
